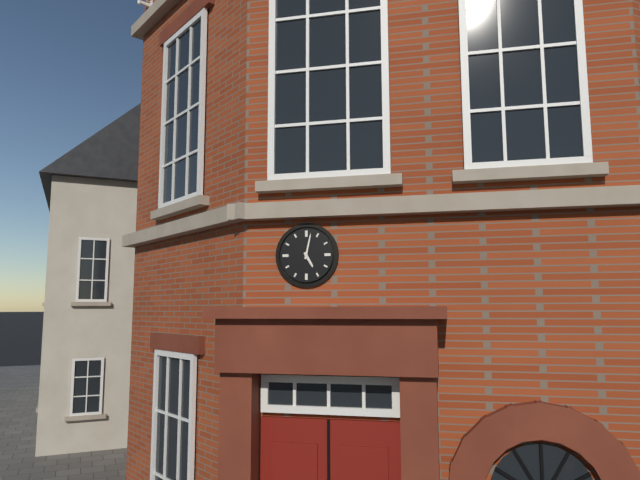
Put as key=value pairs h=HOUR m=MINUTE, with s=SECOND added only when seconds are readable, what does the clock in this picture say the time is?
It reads h=5 m=2
